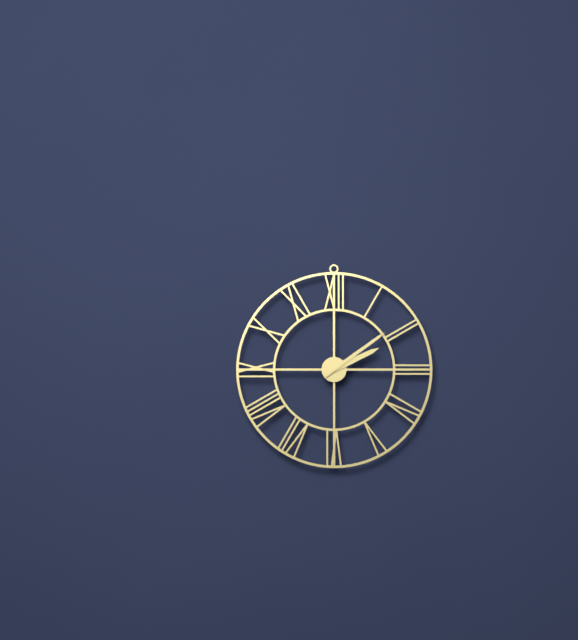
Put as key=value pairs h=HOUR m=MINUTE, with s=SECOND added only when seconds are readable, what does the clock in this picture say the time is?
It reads h=2 m=9
